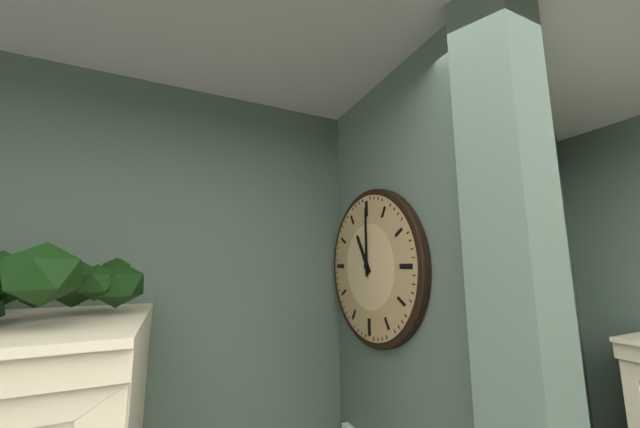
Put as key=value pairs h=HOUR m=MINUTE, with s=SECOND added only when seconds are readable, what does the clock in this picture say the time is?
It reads h=11 m=0
